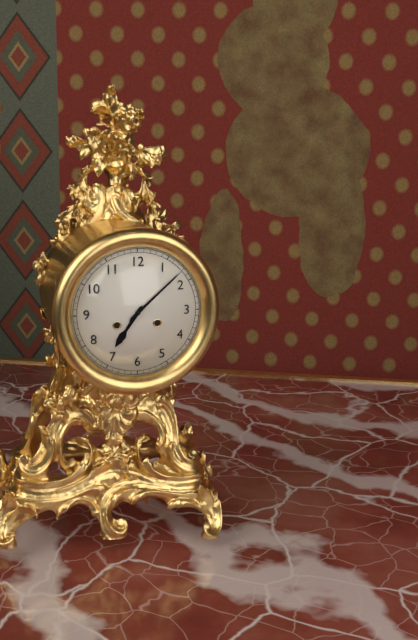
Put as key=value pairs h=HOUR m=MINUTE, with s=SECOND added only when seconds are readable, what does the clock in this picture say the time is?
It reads h=7 m=8
